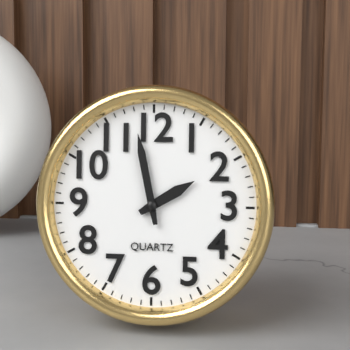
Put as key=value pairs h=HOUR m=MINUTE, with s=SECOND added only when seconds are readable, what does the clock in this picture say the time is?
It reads h=1 m=58
